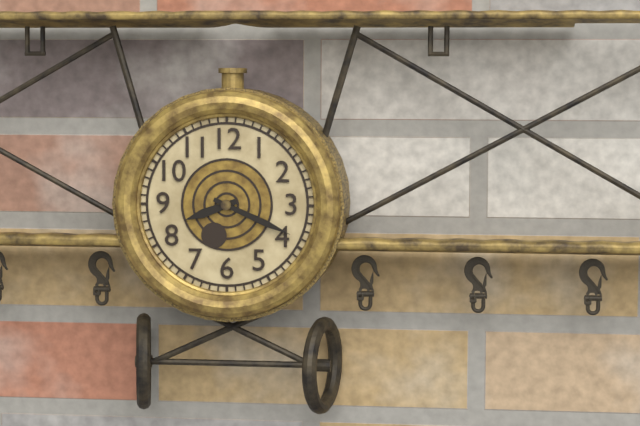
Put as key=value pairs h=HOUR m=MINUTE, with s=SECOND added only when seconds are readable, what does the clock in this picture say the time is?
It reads h=8 m=19
